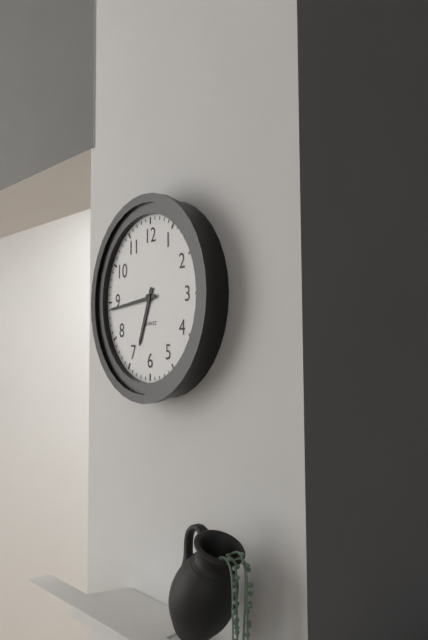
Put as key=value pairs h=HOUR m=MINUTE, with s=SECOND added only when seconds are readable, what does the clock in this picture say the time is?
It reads h=6 m=44
